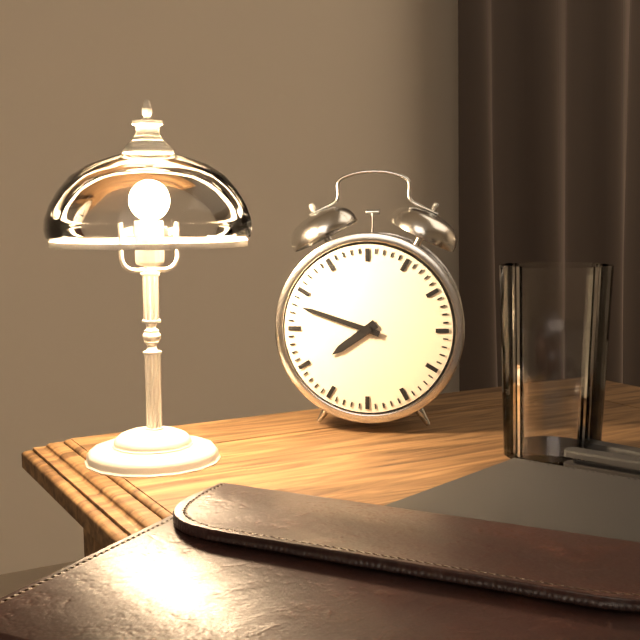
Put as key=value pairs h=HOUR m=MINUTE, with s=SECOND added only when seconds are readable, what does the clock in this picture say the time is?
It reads h=7 m=48
